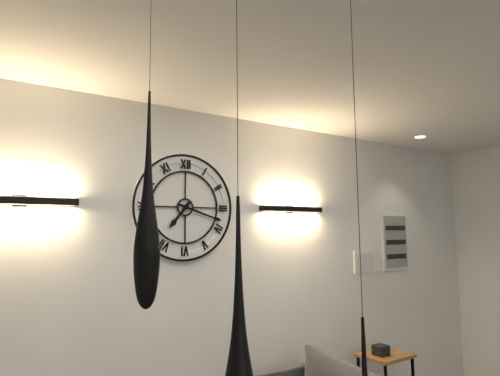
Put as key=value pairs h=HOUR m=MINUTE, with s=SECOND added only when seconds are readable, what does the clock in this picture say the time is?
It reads h=7 m=18
